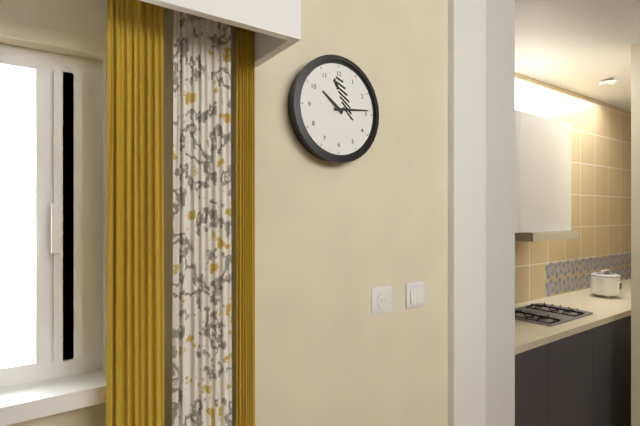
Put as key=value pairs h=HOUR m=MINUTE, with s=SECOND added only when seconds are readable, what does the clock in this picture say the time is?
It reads h=10 m=14
